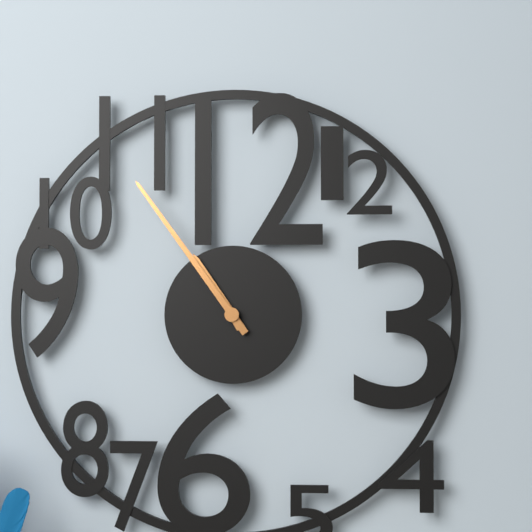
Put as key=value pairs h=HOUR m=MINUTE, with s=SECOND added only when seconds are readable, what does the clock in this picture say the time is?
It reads h=10 m=54
